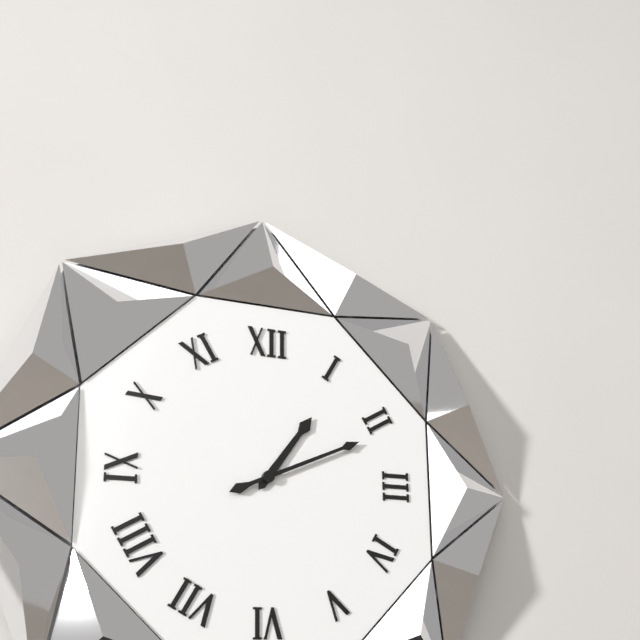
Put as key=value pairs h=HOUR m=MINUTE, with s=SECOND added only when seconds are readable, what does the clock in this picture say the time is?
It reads h=1 m=11
